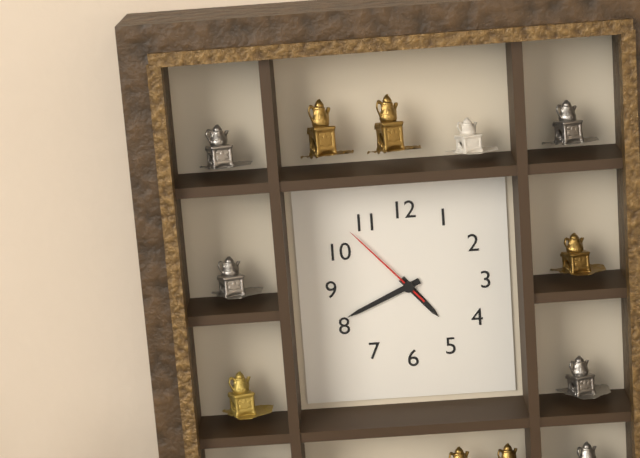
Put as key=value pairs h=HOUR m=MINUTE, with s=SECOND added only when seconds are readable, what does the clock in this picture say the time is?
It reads h=4 m=41 s=53
